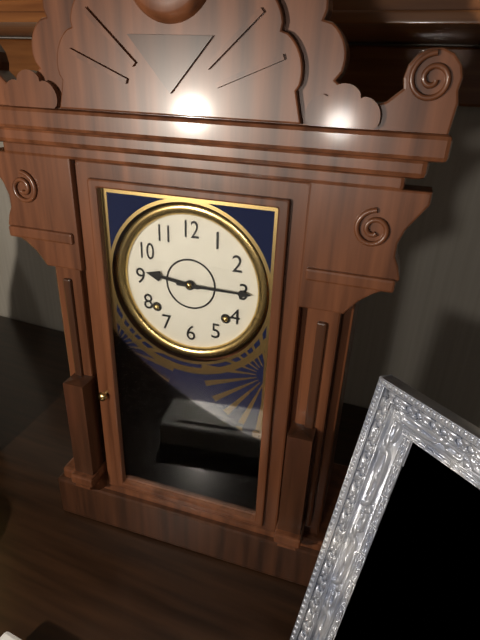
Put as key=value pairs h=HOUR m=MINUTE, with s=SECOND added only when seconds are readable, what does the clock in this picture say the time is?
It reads h=9 m=15
